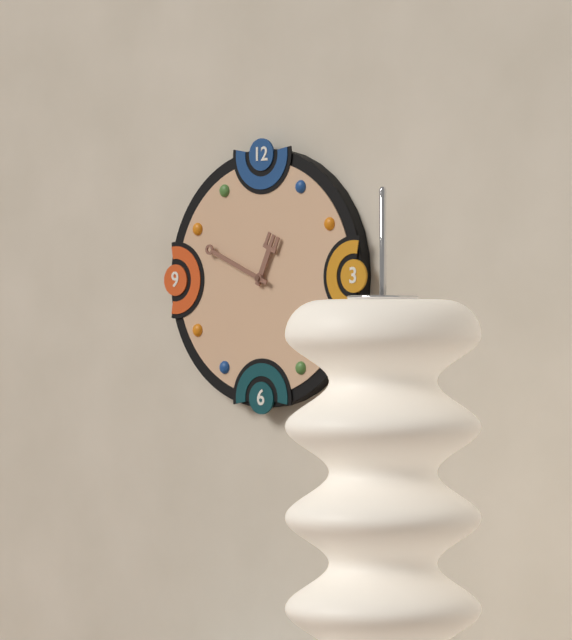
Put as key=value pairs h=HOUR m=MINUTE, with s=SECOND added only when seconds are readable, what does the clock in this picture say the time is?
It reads h=12 m=49
